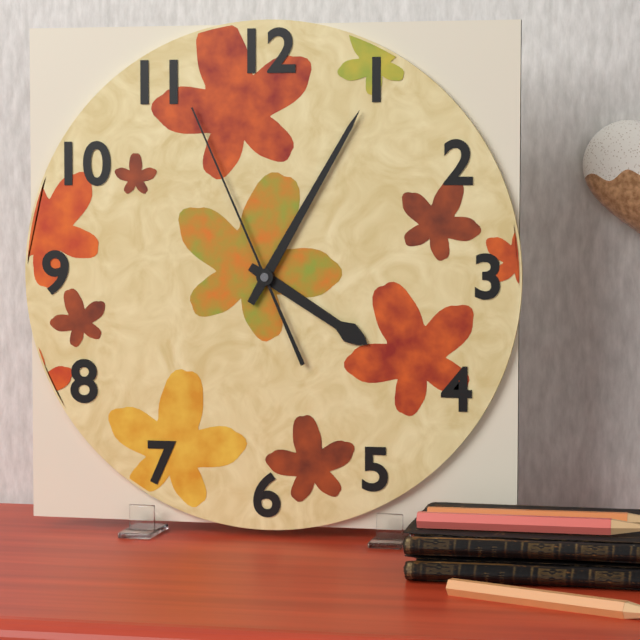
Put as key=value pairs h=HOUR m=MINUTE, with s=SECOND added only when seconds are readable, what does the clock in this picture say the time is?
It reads h=4 m=5 s=56
